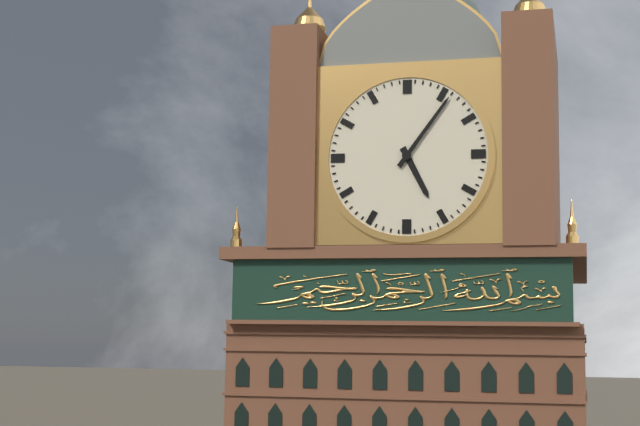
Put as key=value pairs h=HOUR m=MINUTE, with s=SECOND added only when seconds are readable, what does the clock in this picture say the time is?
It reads h=5 m=6
